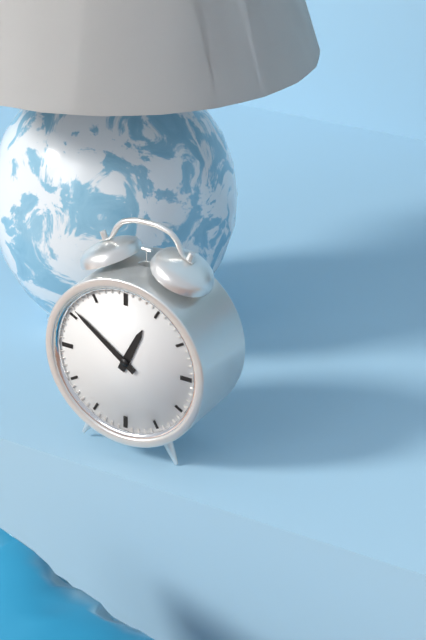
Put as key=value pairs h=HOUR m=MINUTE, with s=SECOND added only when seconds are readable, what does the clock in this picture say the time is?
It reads h=12 m=51
